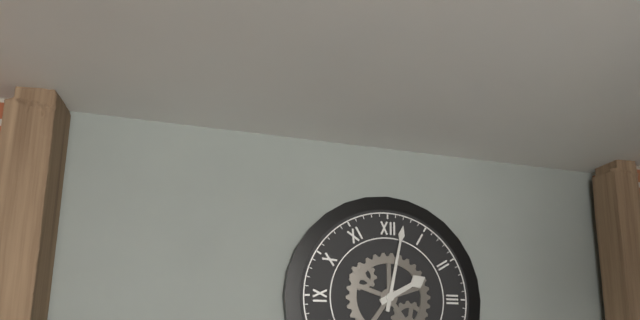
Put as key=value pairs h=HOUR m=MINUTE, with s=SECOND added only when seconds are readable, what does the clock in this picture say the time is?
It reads h=2 m=2
